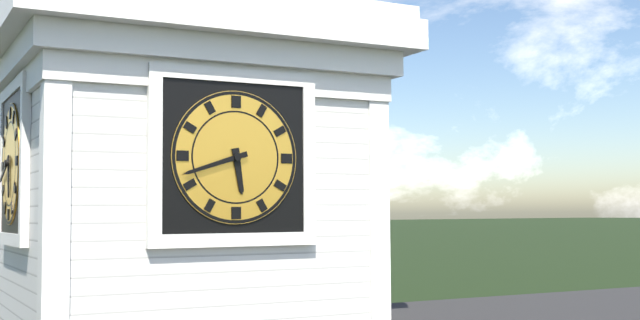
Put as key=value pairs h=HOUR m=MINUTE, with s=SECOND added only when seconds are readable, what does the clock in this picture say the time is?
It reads h=5 m=42
